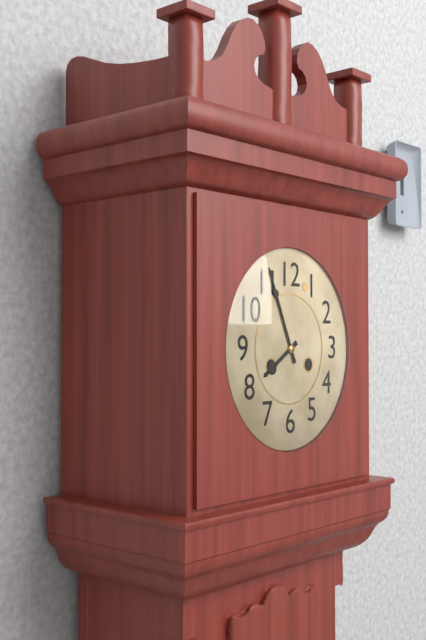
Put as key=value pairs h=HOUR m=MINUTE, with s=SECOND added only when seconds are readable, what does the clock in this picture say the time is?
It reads h=7 m=56
